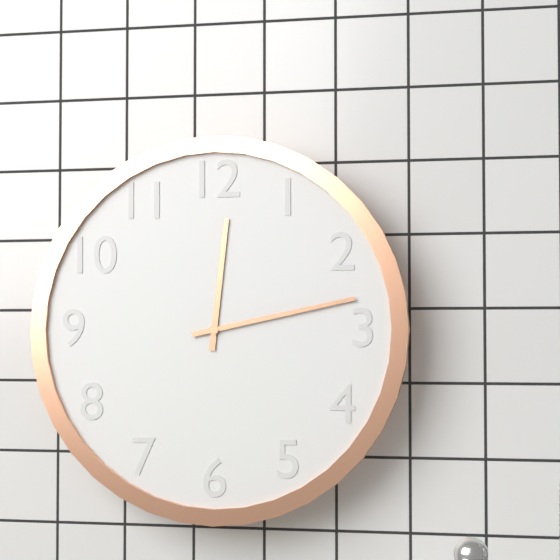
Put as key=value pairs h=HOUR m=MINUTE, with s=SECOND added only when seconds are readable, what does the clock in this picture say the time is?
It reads h=12 m=13
